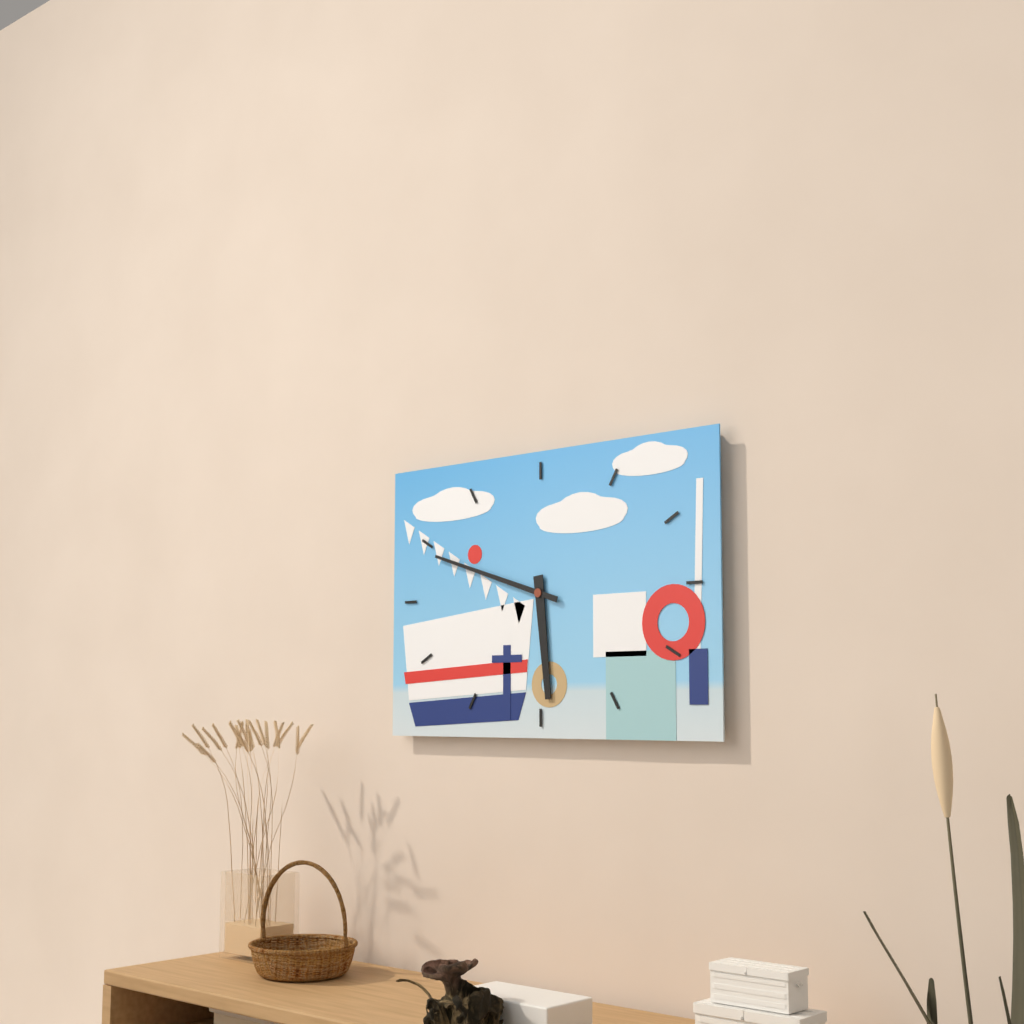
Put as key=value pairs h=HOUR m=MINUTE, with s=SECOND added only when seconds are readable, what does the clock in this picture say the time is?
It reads h=5 m=48
